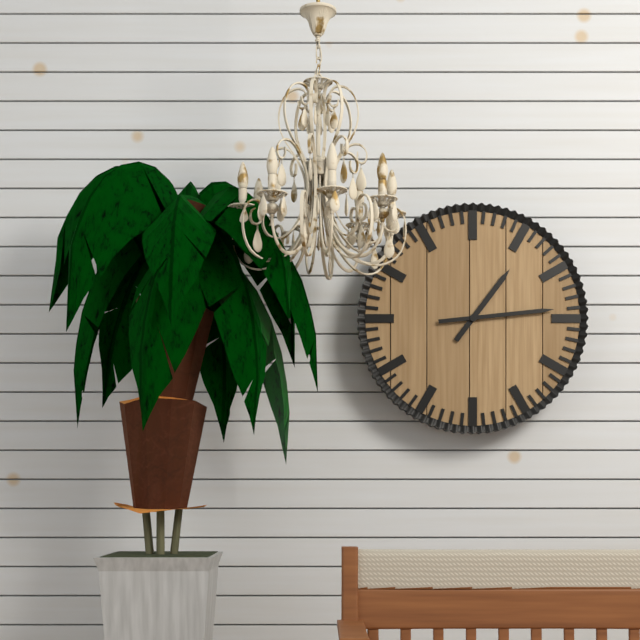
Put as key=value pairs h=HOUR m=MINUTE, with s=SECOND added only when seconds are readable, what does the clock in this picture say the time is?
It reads h=1 m=14
